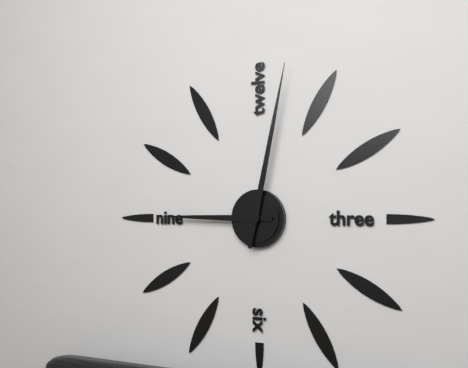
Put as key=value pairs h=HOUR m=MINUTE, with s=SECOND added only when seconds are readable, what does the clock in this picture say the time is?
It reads h=9 m=2
